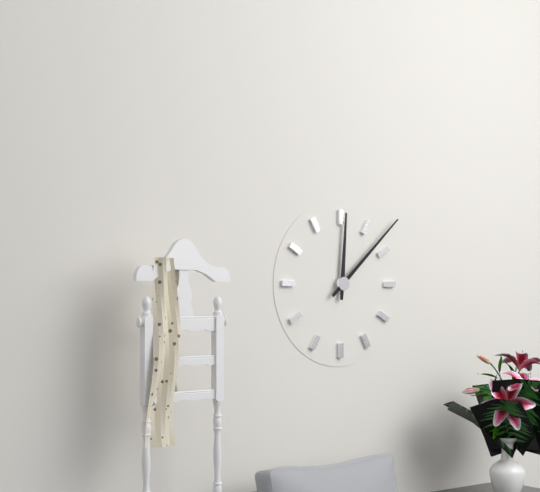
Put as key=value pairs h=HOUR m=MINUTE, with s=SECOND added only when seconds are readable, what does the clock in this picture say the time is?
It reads h=12 m=8
